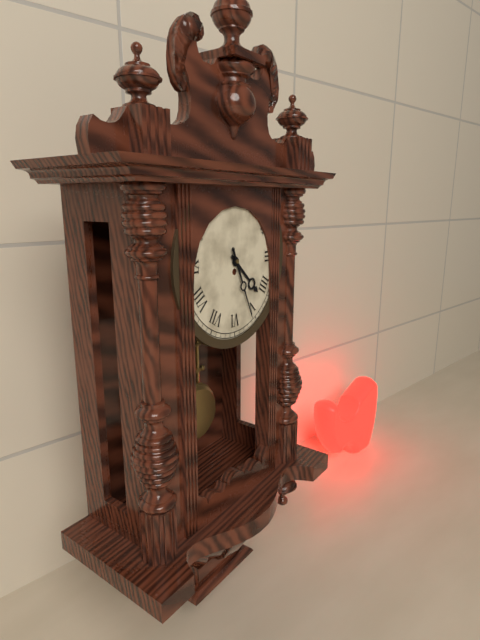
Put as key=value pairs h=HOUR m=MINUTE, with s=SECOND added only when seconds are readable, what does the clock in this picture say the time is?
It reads h=4 m=26
